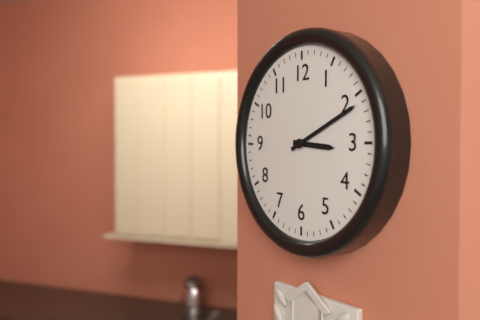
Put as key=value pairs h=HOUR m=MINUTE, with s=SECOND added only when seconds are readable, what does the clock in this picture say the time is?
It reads h=3 m=11
